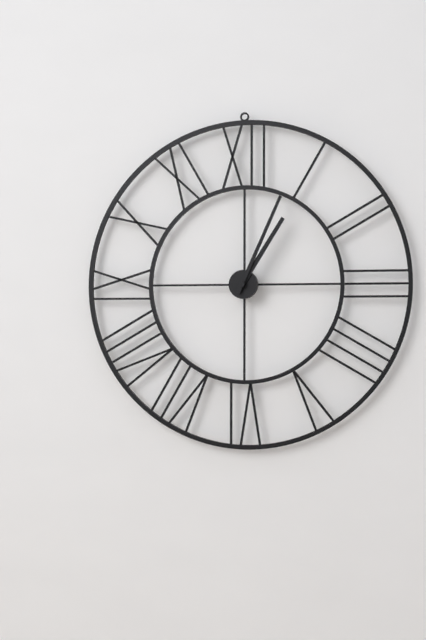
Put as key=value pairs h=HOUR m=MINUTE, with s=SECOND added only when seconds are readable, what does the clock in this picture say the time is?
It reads h=1 m=4
